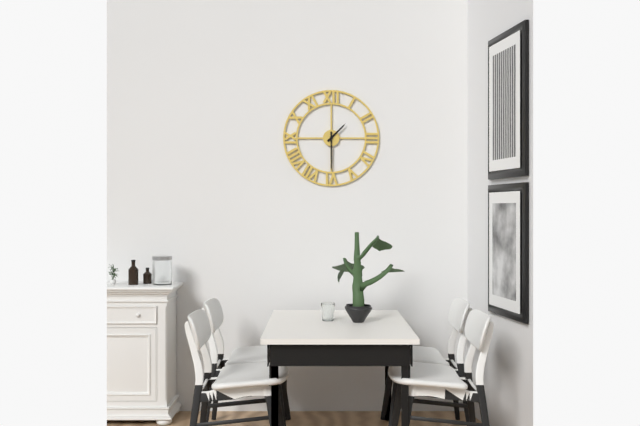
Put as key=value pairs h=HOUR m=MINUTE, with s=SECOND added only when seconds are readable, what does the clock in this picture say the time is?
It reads h=1 m=30
